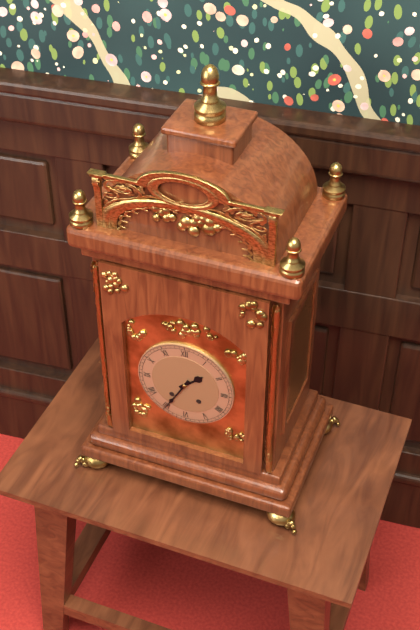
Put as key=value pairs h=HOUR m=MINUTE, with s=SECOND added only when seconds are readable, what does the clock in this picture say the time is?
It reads h=1 m=35
